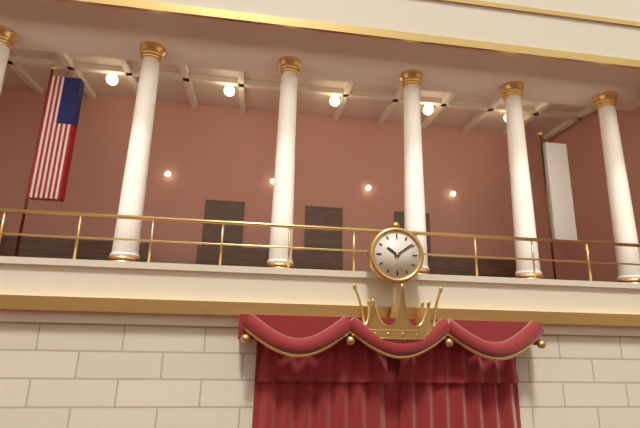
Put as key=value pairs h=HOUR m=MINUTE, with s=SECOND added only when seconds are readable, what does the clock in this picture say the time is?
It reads h=10 m=9
